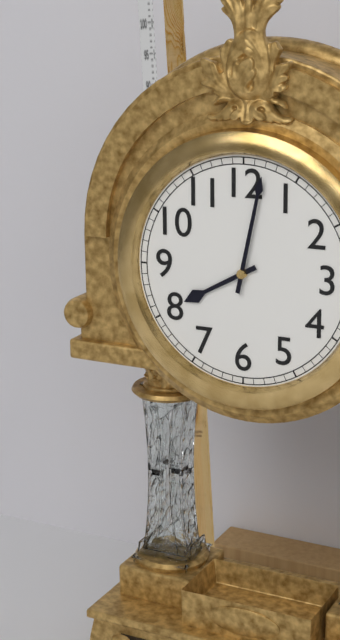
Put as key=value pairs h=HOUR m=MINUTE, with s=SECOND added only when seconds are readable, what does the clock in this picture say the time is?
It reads h=8 m=2
